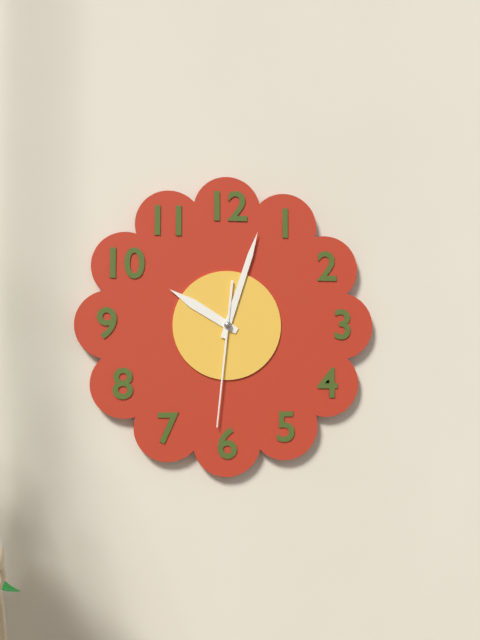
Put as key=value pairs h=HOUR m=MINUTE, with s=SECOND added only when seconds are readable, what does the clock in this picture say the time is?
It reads h=10 m=3 s=31
